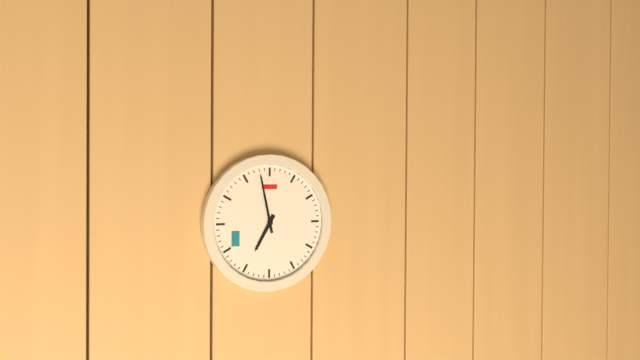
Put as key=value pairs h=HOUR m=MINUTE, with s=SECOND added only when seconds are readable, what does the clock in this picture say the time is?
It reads h=6 m=58
